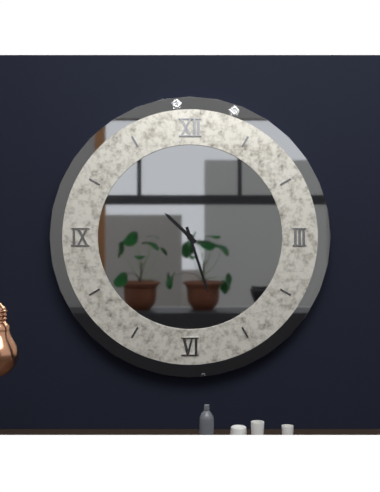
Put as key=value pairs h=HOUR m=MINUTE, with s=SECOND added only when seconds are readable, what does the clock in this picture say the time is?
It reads h=10 m=27
